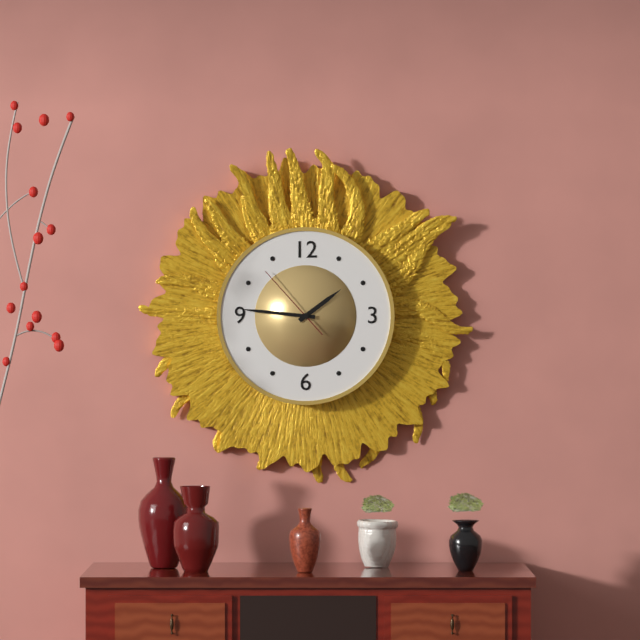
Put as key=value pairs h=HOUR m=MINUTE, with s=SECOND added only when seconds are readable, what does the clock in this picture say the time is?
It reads h=1 m=46 s=53
